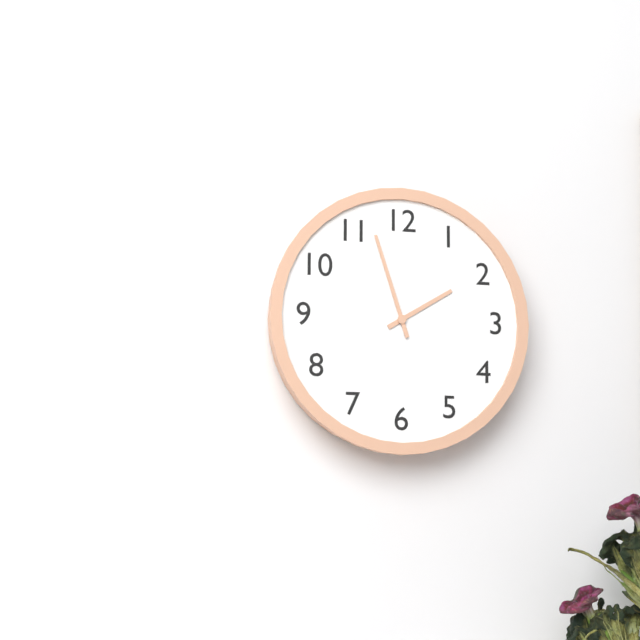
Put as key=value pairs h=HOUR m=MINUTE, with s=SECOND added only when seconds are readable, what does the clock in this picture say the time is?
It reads h=1 m=57
